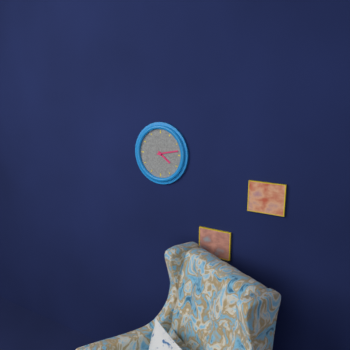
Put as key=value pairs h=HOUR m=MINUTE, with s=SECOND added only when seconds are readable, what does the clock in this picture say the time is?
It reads h=4 m=13
